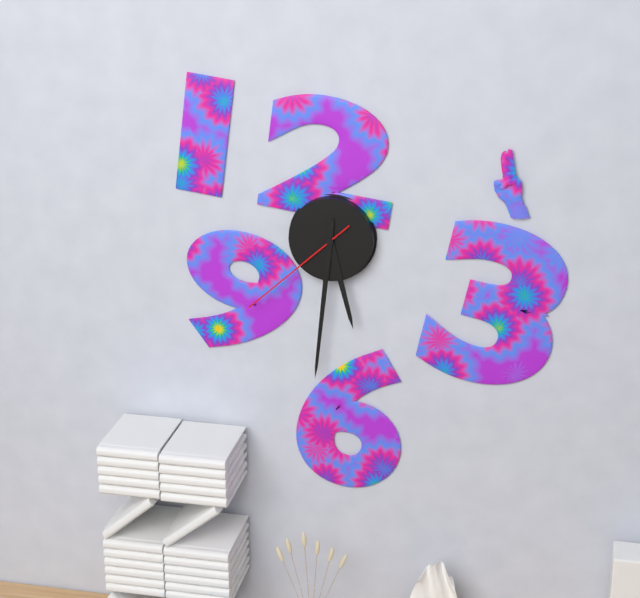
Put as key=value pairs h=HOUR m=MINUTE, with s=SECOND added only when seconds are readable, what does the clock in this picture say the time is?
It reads h=5 m=31 s=38
